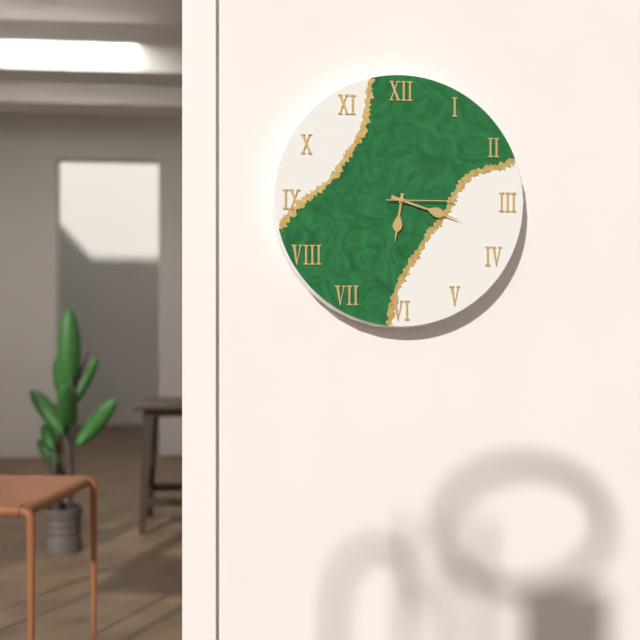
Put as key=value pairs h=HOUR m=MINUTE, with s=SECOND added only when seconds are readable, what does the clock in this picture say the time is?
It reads h=6 m=18 s=15
